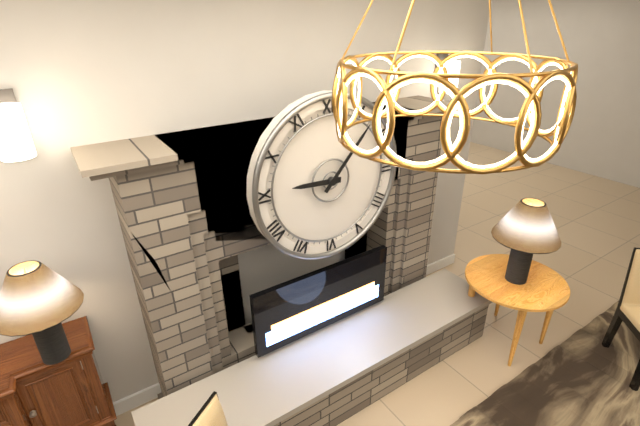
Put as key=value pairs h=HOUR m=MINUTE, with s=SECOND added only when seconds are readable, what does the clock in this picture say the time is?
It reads h=9 m=7
